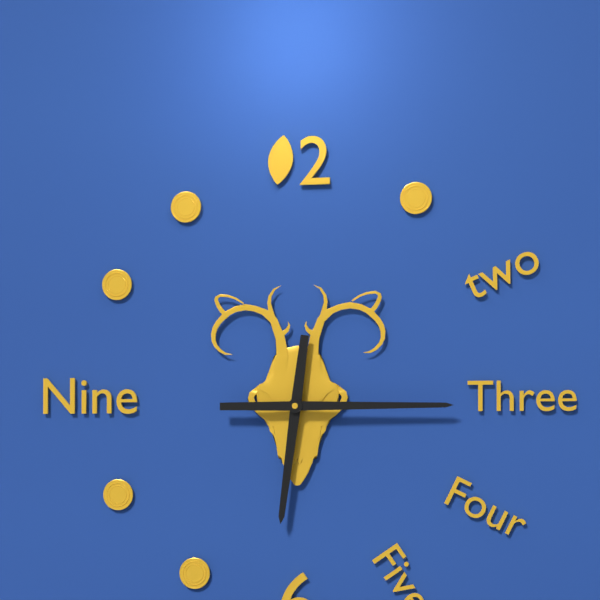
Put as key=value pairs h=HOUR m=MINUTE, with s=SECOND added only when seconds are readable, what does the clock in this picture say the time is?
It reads h=6 m=15
